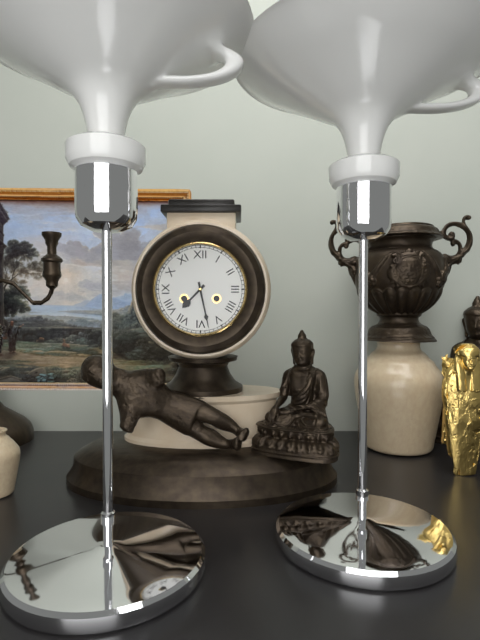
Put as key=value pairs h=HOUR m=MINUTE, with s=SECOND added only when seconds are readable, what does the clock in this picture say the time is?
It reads h=7 m=28
